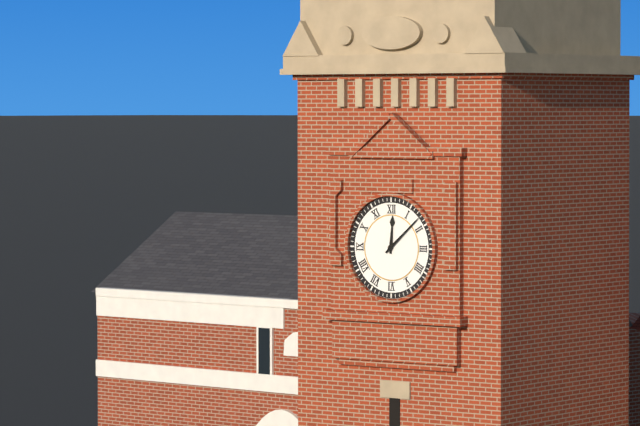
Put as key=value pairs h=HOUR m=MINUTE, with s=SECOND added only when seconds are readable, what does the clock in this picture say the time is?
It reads h=12 m=8
